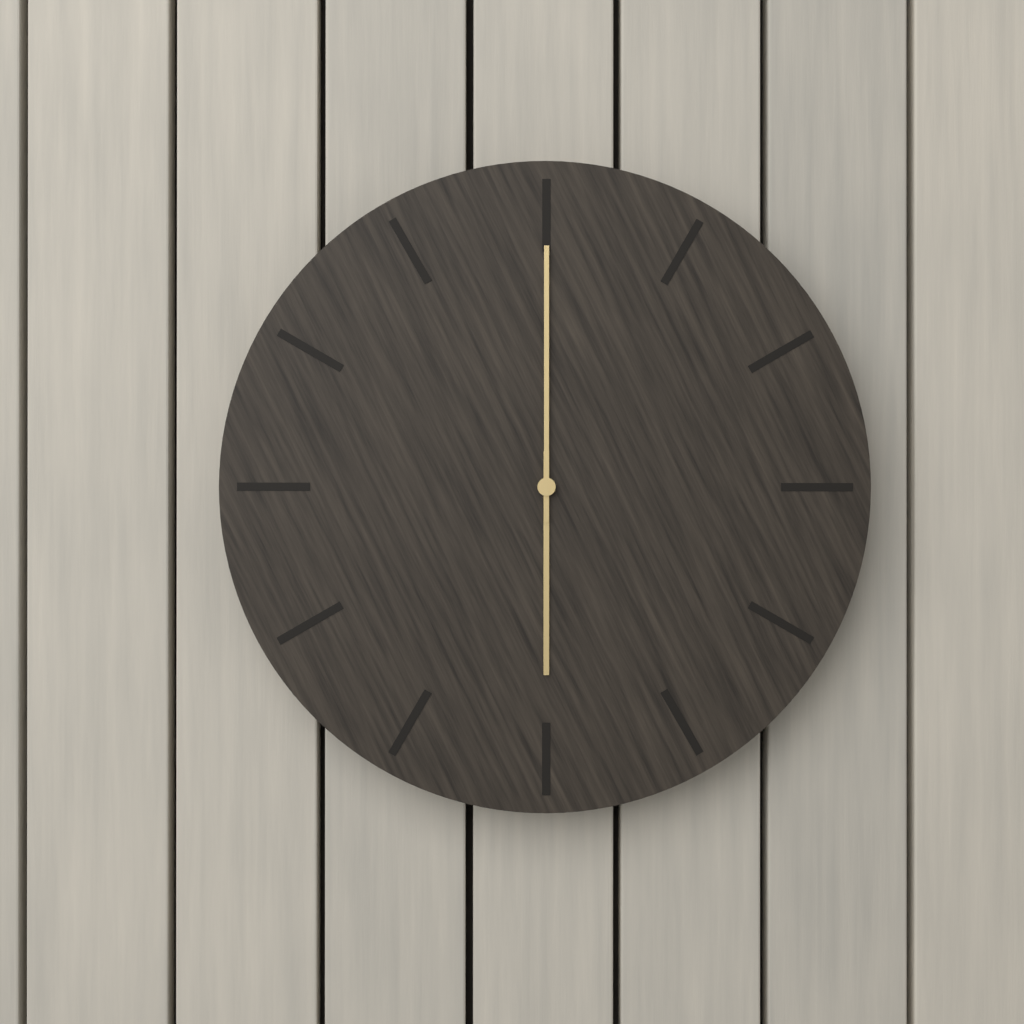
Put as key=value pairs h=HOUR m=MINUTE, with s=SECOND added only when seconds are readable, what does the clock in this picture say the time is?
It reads h=6 m=0
